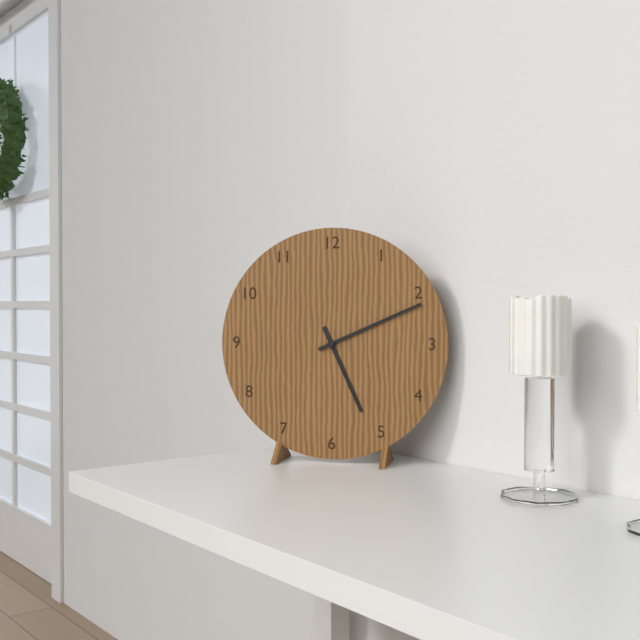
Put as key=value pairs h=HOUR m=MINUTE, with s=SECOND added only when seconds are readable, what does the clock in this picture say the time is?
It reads h=5 m=11
